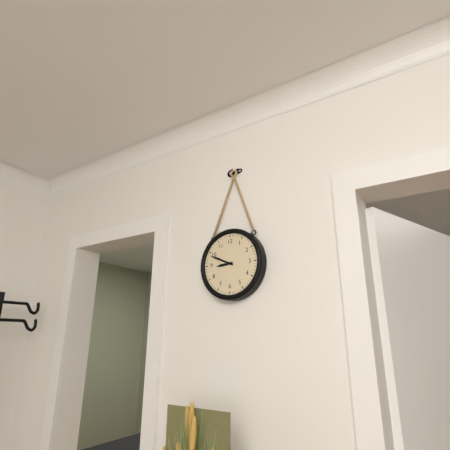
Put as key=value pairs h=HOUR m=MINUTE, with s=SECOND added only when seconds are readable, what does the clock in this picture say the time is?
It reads h=8 m=49
